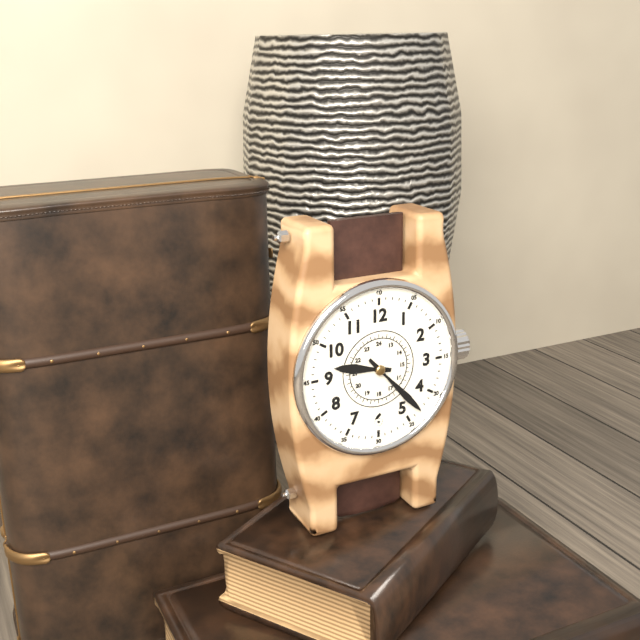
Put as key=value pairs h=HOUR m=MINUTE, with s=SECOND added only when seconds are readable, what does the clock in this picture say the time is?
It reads h=9 m=23
